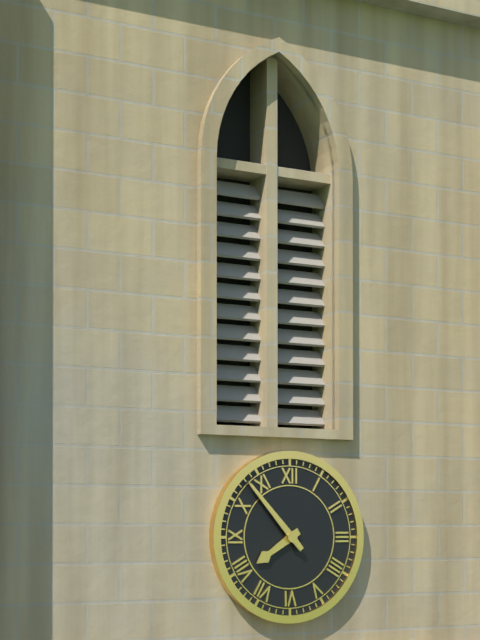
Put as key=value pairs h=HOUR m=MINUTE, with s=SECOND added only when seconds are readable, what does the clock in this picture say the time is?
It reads h=7 m=53
